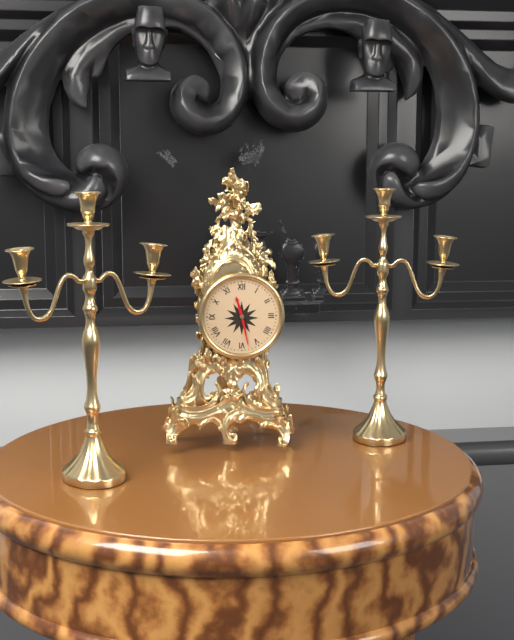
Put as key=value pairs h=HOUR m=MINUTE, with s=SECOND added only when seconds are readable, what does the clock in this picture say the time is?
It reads h=11 m=28
